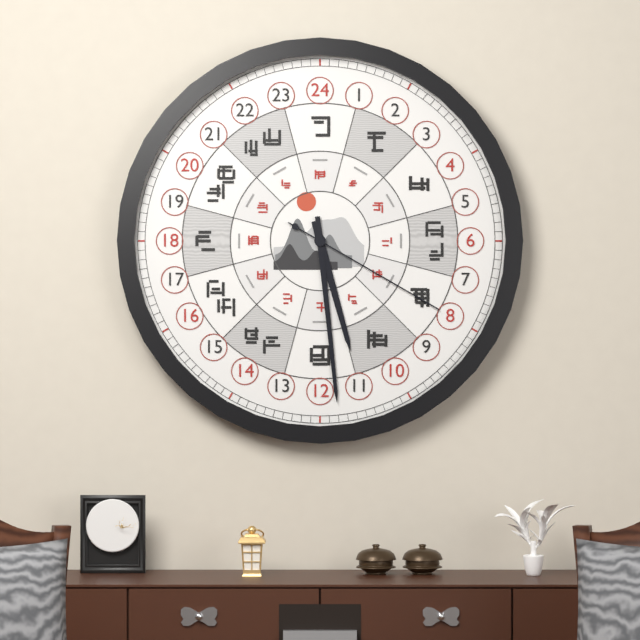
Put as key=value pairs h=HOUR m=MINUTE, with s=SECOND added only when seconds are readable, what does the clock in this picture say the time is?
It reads h=5 m=29 s=20
